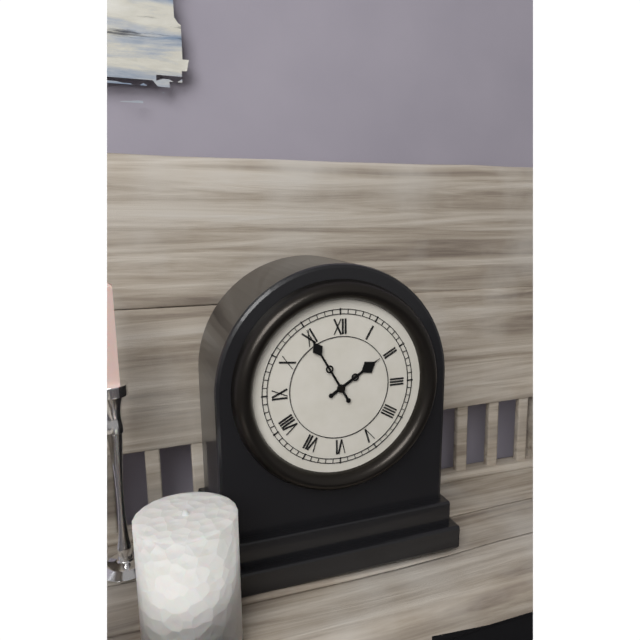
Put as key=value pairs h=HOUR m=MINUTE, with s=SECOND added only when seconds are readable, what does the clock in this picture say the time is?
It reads h=1 m=55
